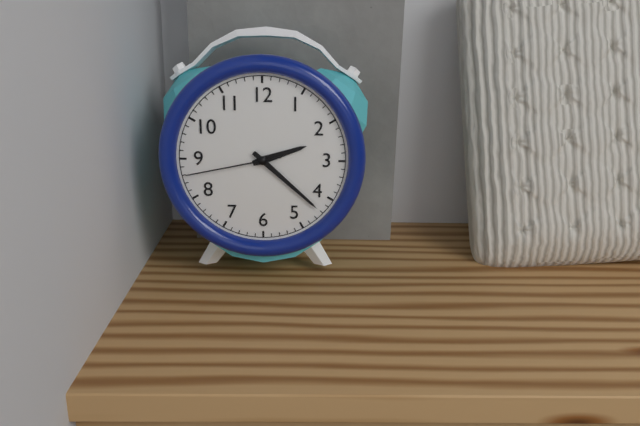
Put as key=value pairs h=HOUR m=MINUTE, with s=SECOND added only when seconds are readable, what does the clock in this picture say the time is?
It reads h=2 m=22 s=43
